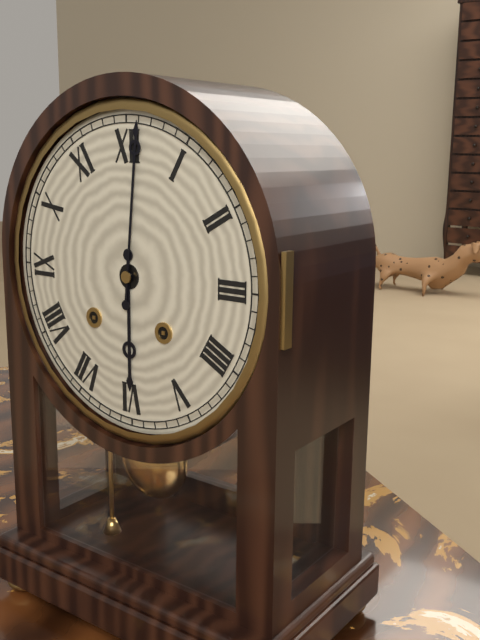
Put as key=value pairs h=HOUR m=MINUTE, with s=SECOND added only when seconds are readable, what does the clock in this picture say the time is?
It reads h=6 m=1
